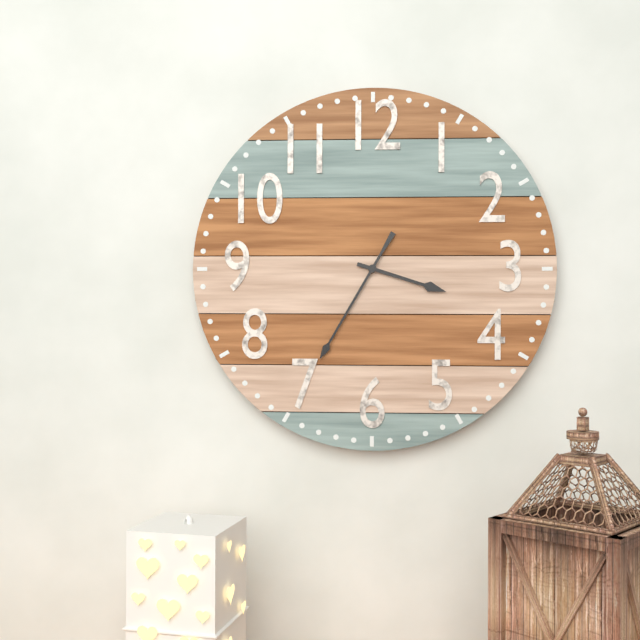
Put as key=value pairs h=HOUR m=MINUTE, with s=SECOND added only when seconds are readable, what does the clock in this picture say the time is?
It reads h=3 m=35
